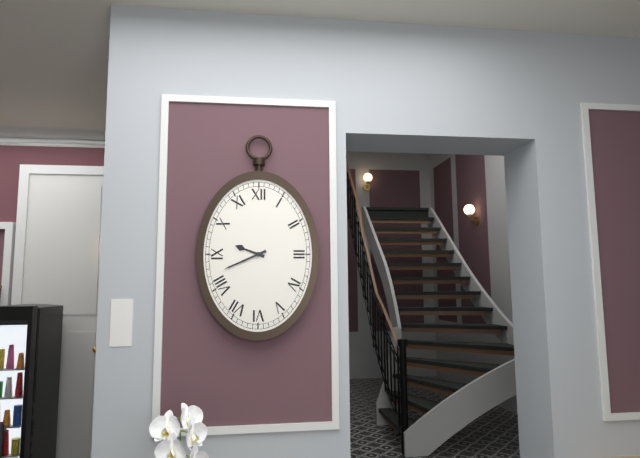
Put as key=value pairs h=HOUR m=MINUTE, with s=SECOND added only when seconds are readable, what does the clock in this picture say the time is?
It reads h=9 m=41
